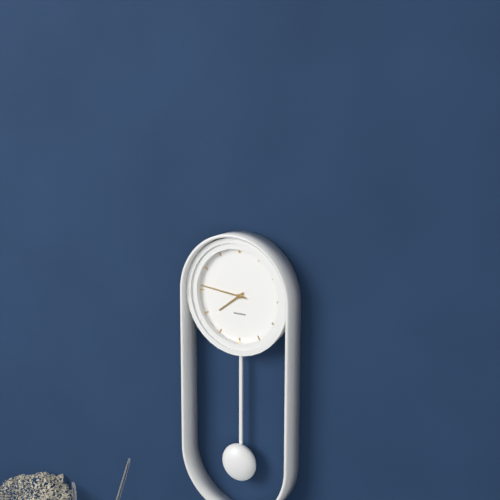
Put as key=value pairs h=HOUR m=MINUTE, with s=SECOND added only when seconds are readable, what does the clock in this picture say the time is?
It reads h=7 m=46
